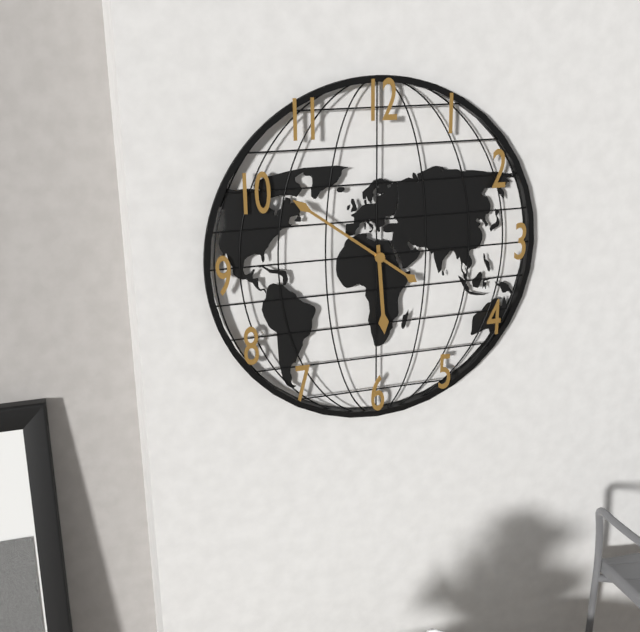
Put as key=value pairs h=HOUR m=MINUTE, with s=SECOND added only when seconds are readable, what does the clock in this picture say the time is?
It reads h=5 m=51
